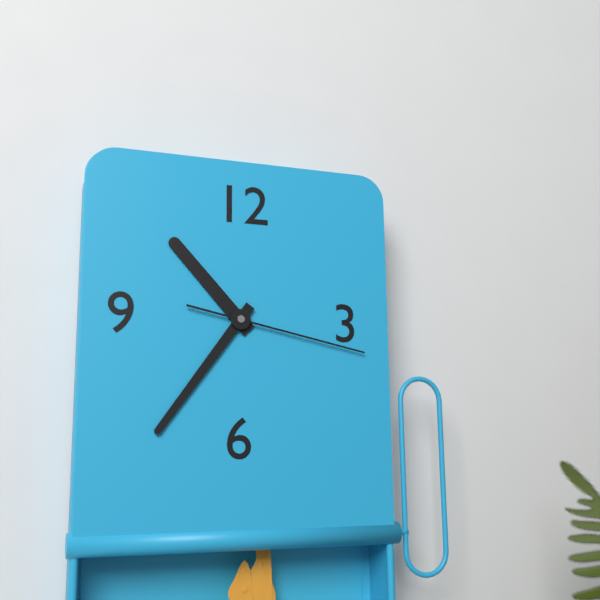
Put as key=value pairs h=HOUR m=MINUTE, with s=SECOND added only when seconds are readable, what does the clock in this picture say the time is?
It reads h=10 m=36 s=17
